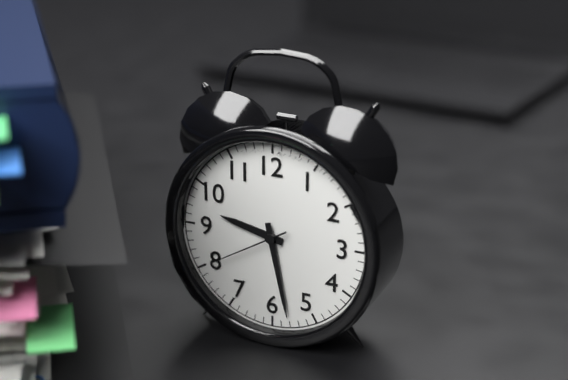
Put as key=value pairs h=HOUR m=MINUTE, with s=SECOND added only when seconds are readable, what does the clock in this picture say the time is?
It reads h=9 m=28 s=40
